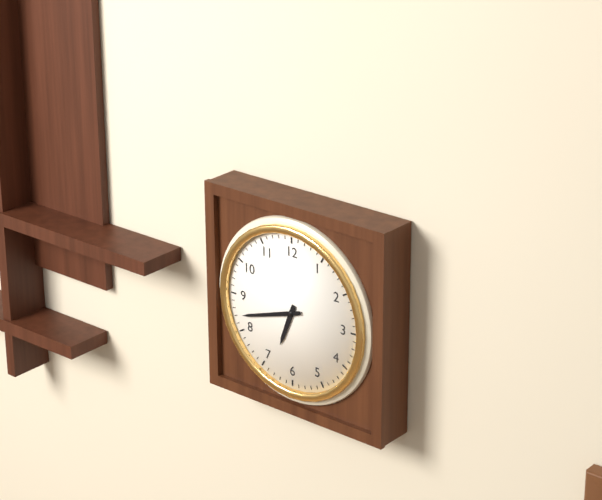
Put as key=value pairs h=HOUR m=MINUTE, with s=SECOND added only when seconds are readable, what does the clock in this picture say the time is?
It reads h=6 m=42
